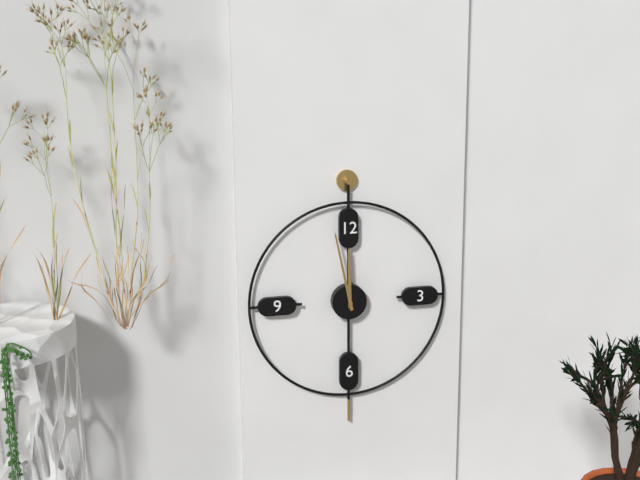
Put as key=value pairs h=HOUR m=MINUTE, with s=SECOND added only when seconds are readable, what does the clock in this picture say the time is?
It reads h=11 m=58
